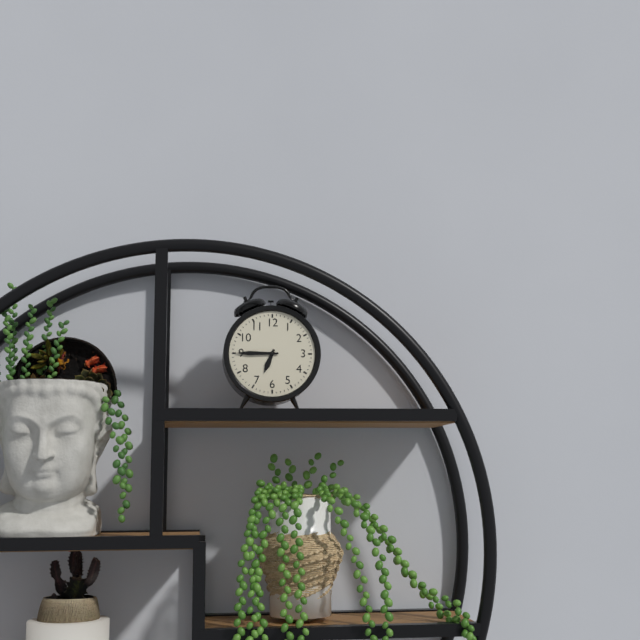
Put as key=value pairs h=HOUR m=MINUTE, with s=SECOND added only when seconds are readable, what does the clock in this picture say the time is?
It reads h=6 m=45
